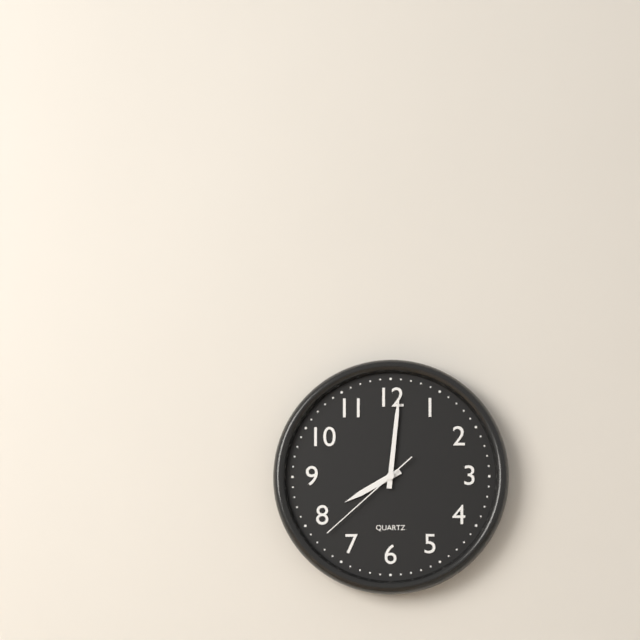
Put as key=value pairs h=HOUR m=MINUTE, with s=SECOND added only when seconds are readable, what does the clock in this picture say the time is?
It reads h=8 m=1 s=38
